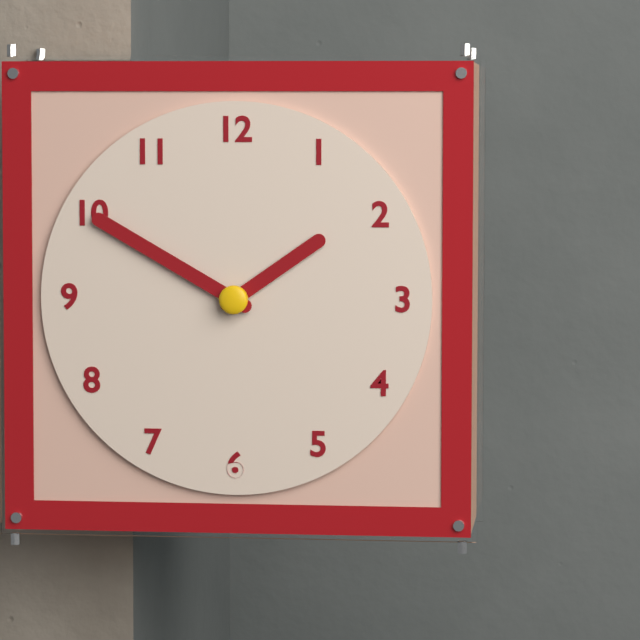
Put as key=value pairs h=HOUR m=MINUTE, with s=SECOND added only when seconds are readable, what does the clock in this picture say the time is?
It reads h=1 m=50
